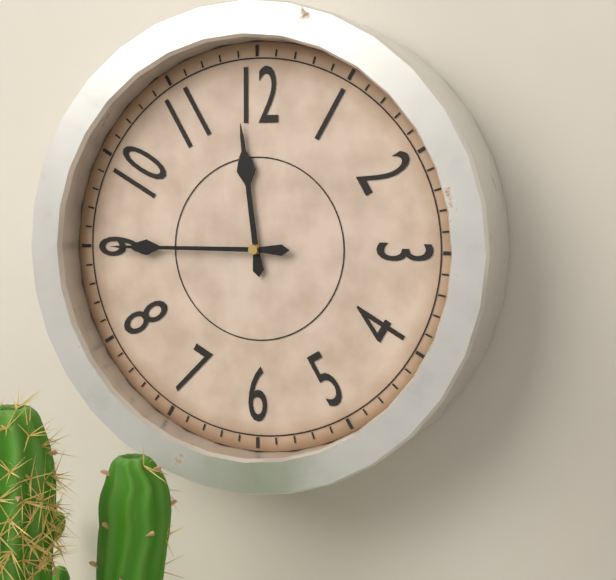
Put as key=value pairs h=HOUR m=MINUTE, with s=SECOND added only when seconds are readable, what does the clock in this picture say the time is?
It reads h=11 m=45
